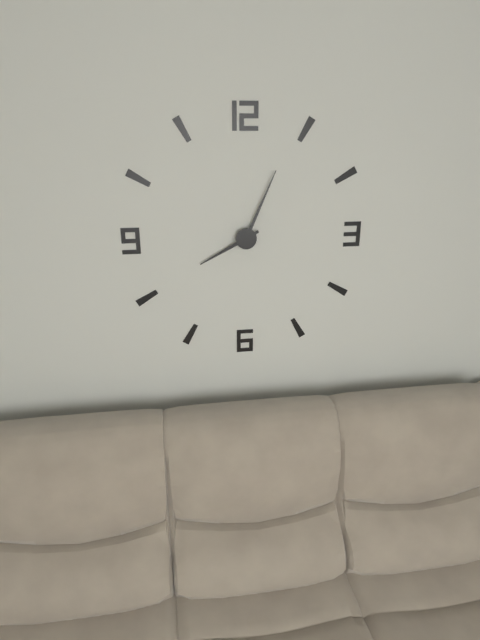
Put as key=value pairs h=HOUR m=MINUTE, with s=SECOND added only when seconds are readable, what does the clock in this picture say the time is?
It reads h=8 m=4
